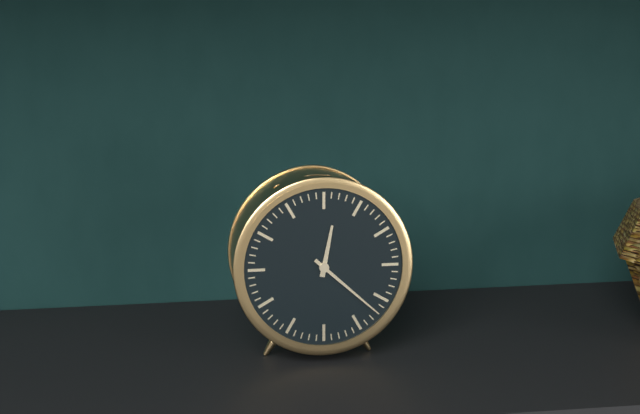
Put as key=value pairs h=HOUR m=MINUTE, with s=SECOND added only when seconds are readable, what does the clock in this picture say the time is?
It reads h=12 m=22
